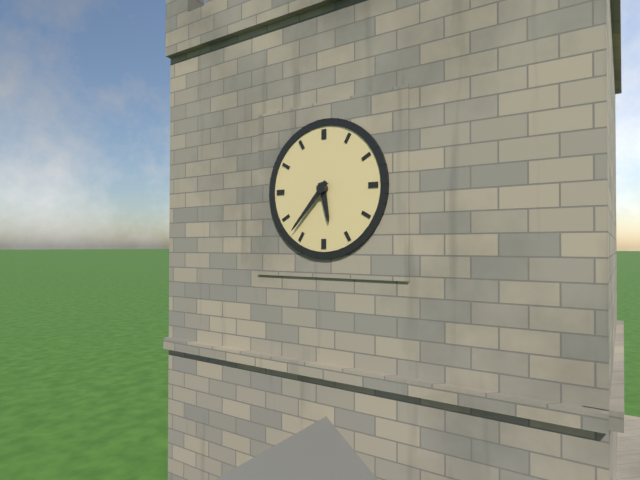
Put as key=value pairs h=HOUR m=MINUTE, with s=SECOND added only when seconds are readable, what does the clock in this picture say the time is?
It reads h=5 m=37
